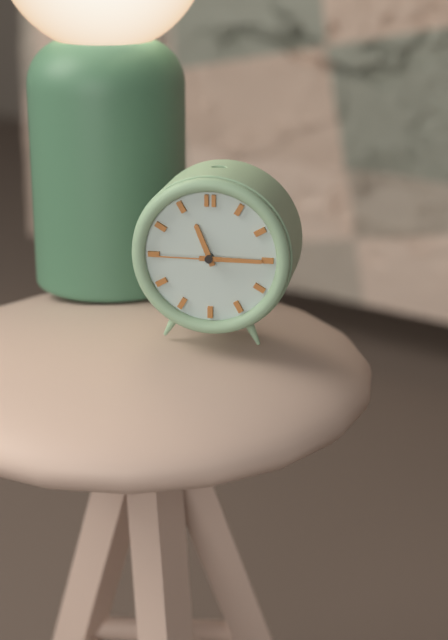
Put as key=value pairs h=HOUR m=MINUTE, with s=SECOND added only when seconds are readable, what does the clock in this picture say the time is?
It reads h=11 m=15 s=45
